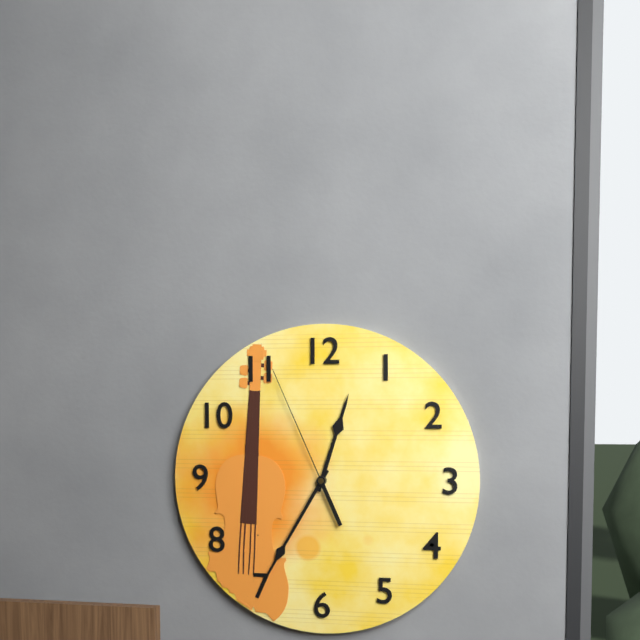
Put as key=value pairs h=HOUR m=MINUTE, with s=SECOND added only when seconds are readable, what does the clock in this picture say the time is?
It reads h=12 m=35 s=56
